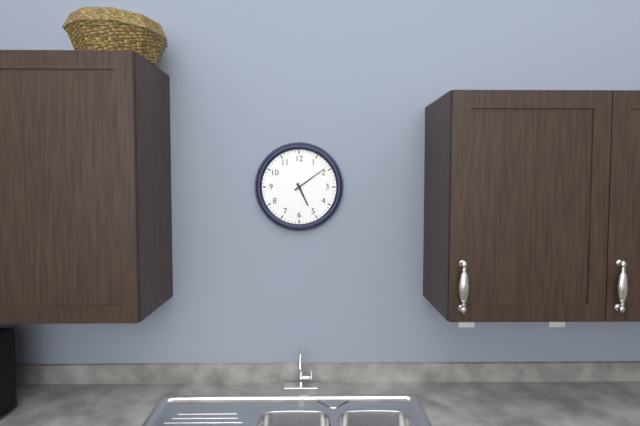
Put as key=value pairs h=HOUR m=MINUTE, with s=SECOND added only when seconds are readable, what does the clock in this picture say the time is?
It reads h=5 m=9
